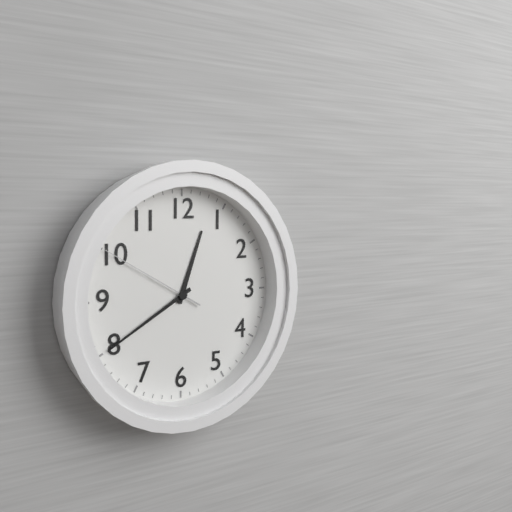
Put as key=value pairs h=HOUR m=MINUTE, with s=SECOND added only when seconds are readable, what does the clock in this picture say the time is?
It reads h=12 m=40 s=50
